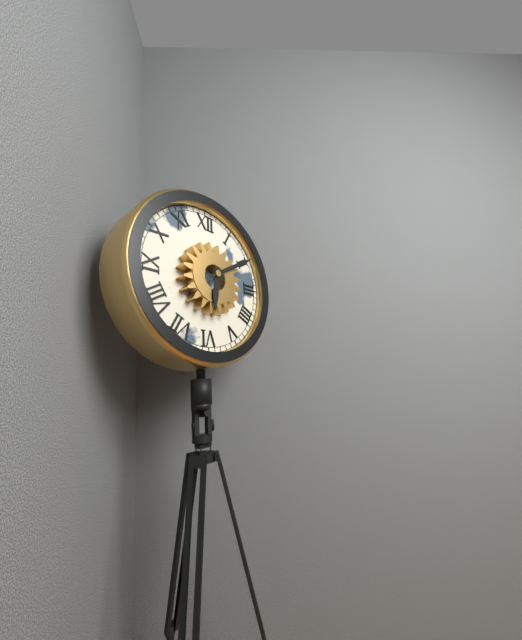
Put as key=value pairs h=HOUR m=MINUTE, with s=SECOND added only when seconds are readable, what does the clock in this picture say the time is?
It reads h=6 m=10
